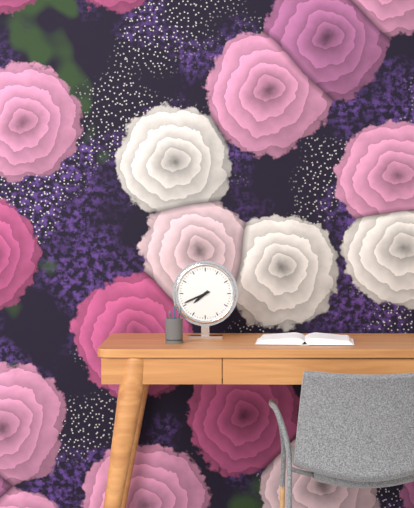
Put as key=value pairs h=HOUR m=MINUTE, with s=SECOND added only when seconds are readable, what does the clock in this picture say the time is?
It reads h=7 m=41
